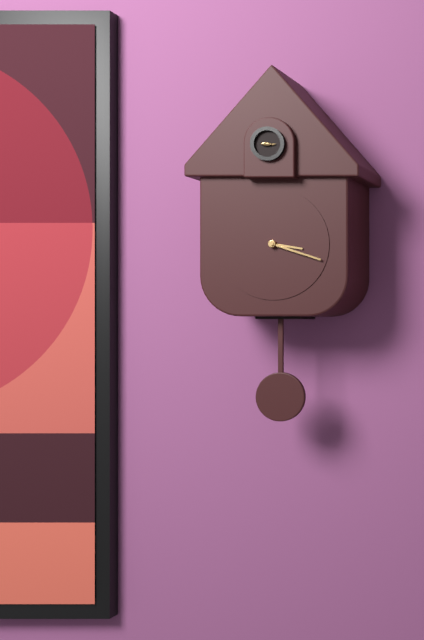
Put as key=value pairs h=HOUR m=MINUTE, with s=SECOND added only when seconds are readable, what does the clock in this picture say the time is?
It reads h=3 m=18
